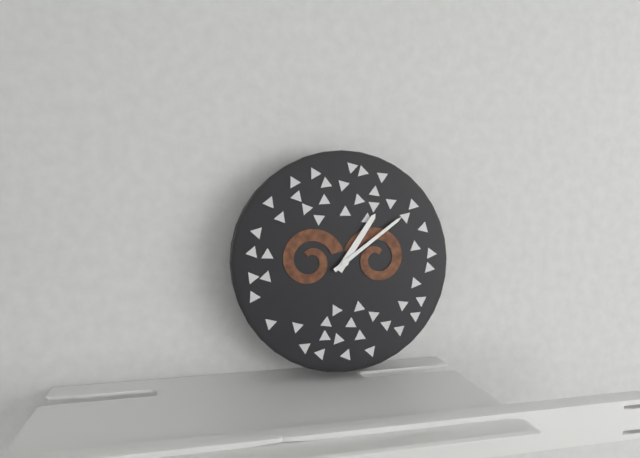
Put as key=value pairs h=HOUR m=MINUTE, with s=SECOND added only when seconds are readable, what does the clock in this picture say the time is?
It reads h=1 m=9
